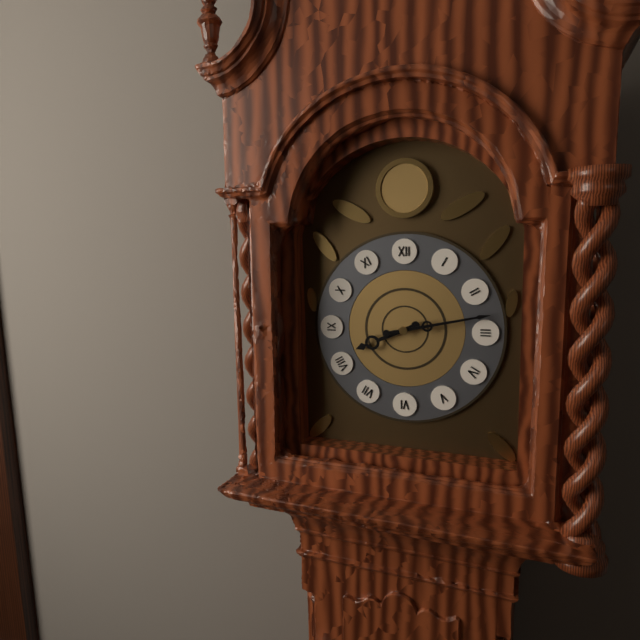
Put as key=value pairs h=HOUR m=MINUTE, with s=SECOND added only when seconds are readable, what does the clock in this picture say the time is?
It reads h=8 m=13
